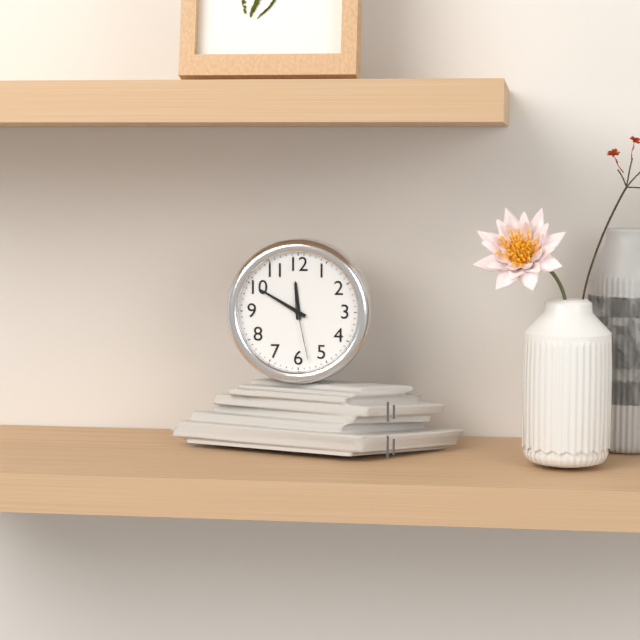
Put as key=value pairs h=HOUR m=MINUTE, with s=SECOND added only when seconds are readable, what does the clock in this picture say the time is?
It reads h=11 m=50 s=28
